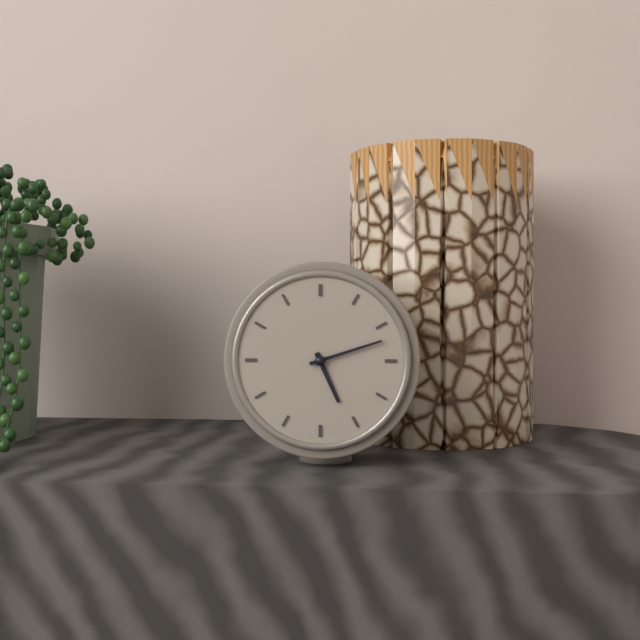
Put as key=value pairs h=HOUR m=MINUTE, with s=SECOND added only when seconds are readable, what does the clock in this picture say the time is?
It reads h=5 m=12
